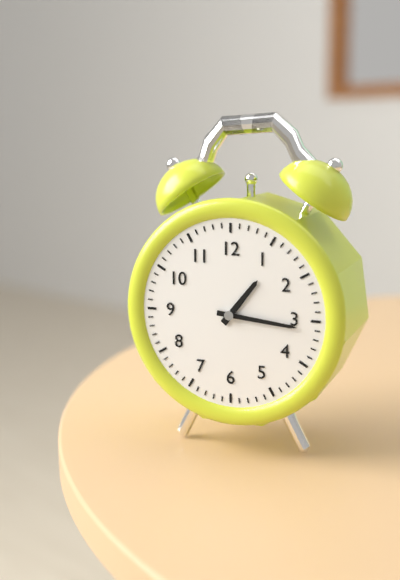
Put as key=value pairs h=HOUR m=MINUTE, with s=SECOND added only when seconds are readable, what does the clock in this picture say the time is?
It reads h=1 m=16
